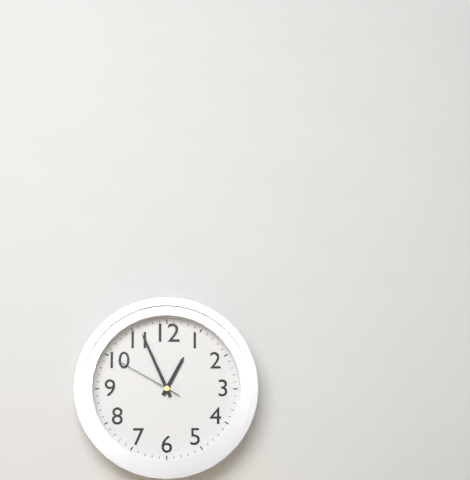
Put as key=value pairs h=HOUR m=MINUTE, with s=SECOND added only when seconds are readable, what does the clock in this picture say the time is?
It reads h=12 m=56 s=50
